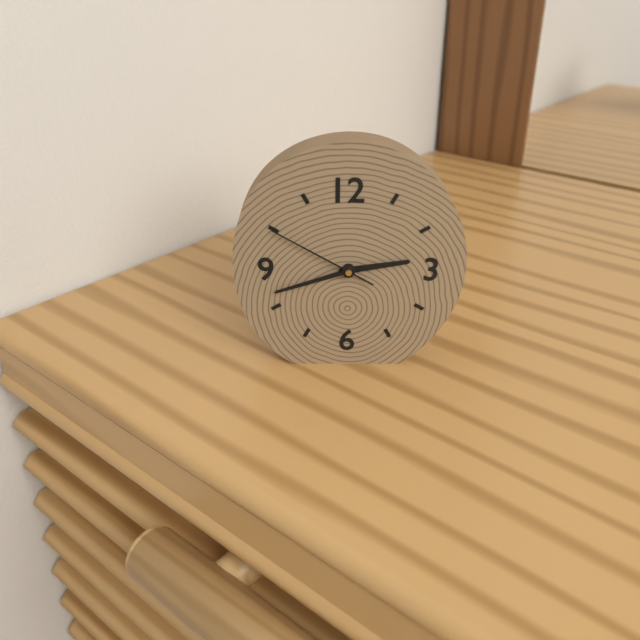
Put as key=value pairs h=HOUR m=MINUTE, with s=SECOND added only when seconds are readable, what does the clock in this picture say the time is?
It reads h=2 m=42 s=50
